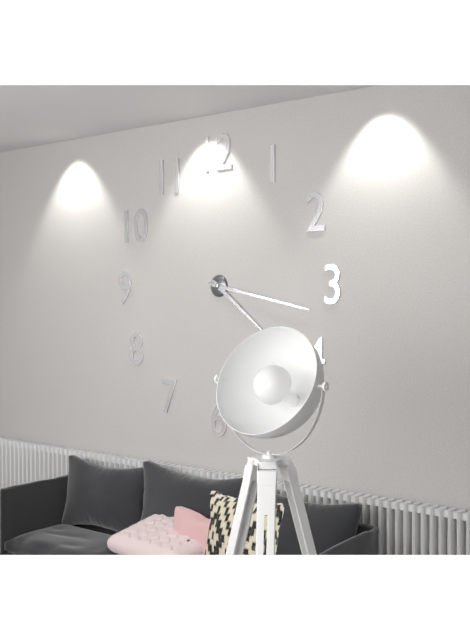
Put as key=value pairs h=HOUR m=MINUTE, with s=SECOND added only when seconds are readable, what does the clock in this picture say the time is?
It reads h=4 m=17
